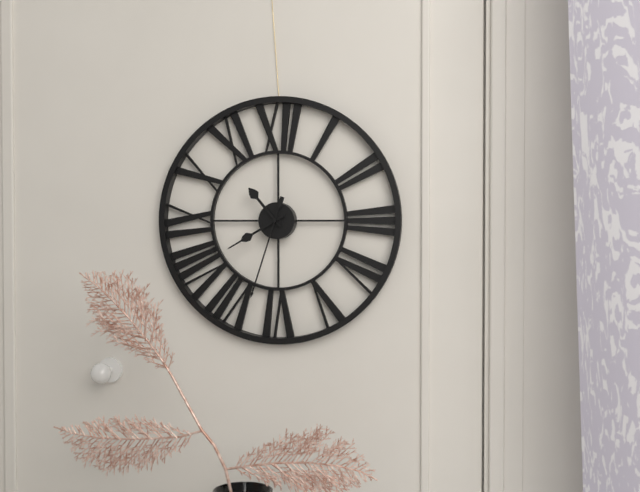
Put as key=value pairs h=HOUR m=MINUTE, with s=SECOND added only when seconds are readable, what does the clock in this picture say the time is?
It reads h=10 m=40 s=33
